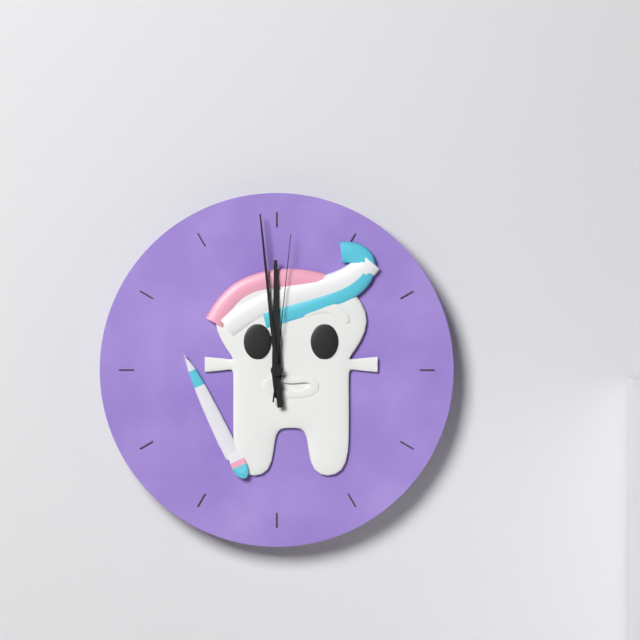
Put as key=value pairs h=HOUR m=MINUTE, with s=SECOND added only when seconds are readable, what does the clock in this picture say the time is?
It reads h=11 m=59 s=1
